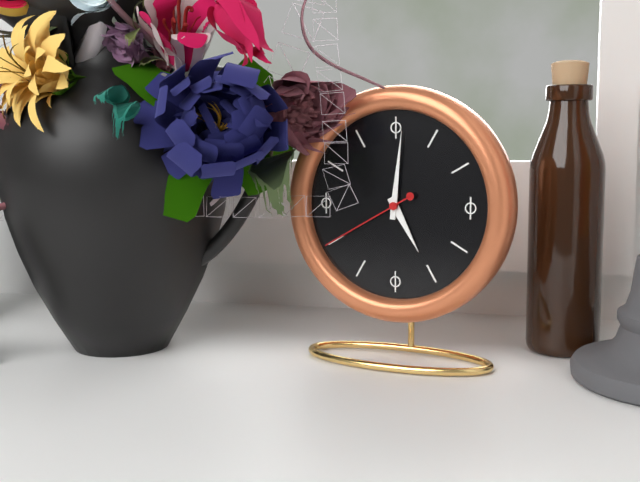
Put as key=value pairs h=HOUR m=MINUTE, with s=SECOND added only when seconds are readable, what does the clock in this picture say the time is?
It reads h=5 m=1 s=40
